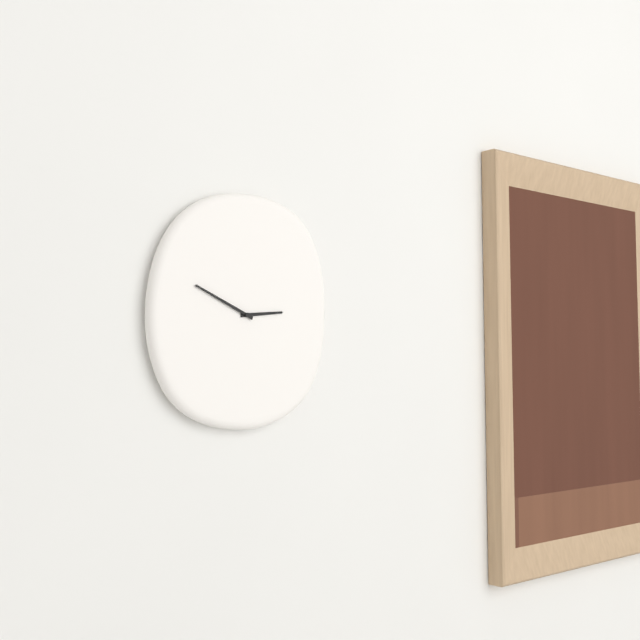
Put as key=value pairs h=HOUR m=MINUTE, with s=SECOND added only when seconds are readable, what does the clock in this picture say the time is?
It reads h=2 m=49
